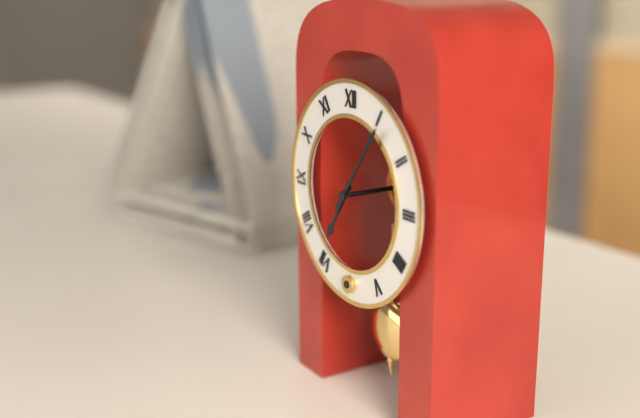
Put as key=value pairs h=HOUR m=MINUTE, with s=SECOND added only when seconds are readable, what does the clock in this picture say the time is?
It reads h=7 m=6
